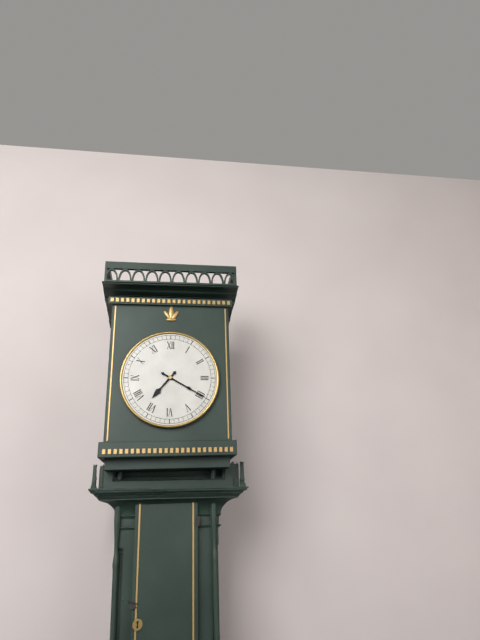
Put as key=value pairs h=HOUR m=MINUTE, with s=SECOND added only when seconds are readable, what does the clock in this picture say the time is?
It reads h=7 m=20
